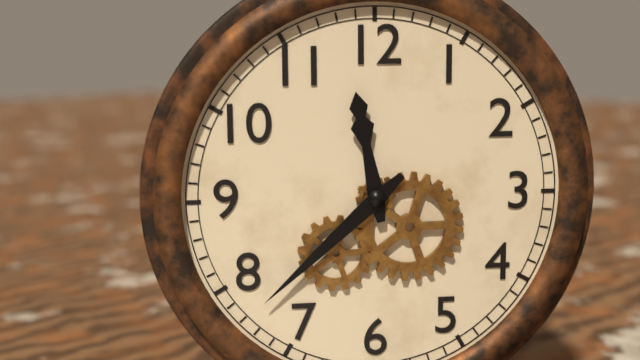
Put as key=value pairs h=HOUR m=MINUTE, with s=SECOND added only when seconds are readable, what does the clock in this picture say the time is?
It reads h=11 m=38
